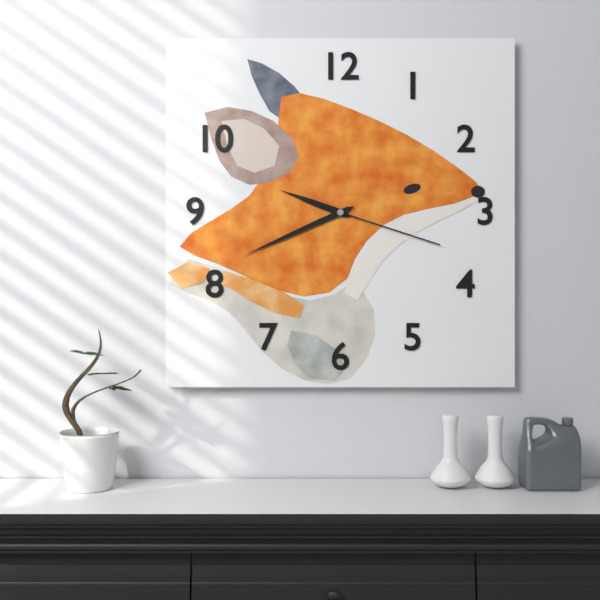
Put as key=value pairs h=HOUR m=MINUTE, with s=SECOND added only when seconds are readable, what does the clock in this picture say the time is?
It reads h=9 m=41 s=18
